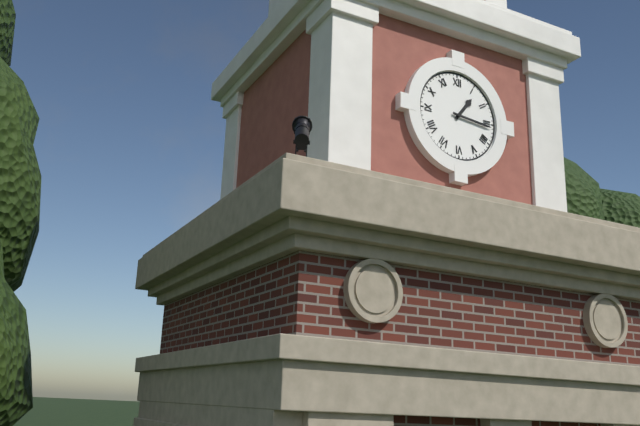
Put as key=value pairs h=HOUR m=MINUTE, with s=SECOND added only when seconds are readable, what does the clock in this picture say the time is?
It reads h=1 m=16
